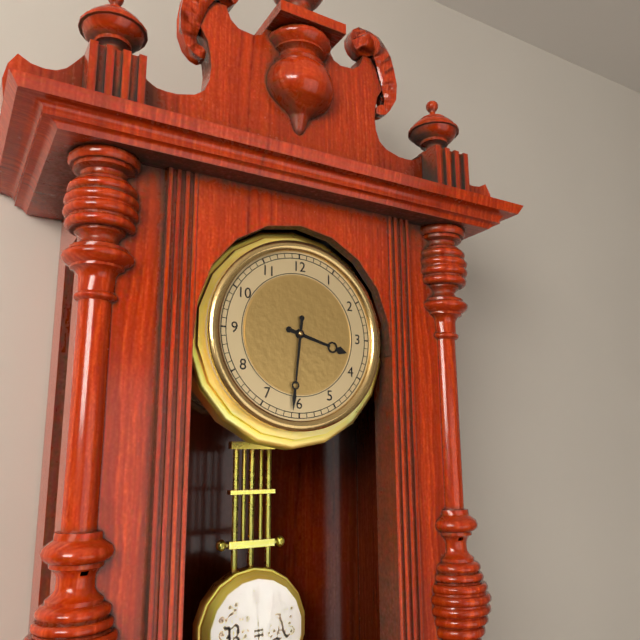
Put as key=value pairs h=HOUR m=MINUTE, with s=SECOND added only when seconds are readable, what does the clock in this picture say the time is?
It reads h=3 m=31
